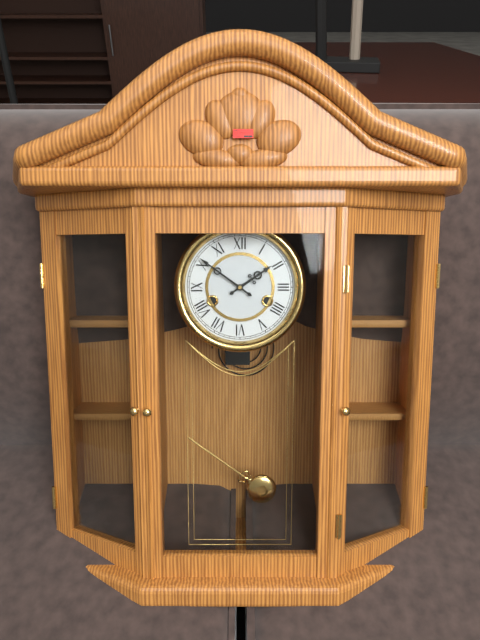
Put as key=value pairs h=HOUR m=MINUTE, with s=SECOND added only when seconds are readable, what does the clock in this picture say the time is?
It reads h=1 m=51
